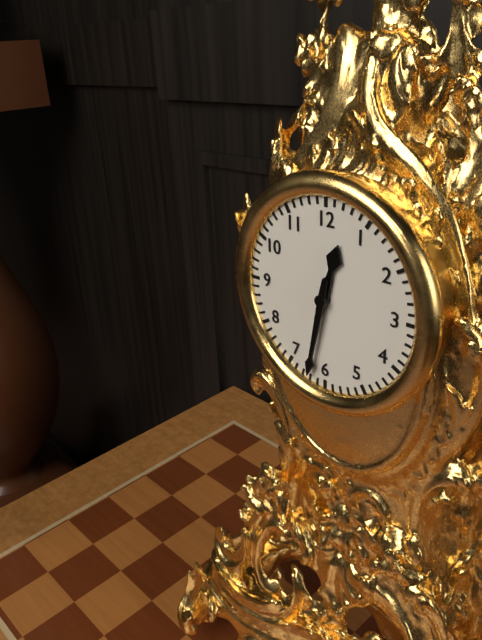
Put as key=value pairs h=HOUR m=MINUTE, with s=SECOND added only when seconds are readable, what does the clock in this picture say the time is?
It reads h=12 m=32
